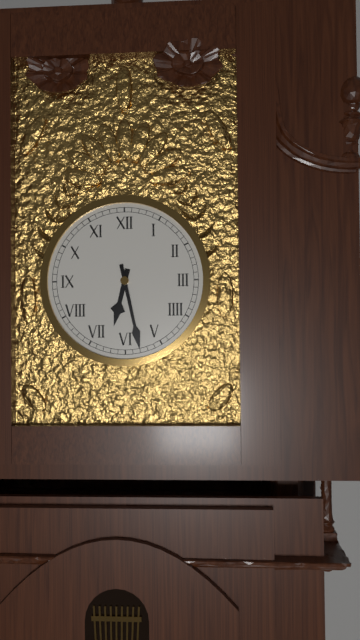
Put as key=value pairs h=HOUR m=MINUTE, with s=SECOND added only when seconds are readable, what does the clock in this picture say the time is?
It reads h=6 m=28
